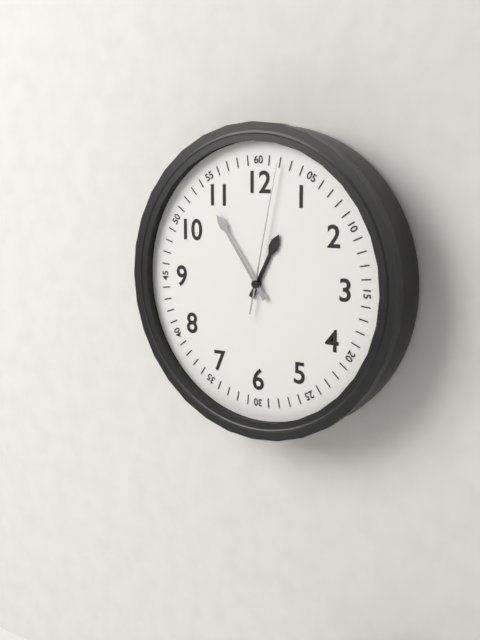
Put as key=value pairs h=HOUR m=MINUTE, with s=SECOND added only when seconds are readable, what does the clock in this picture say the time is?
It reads h=12 m=54 s=2
